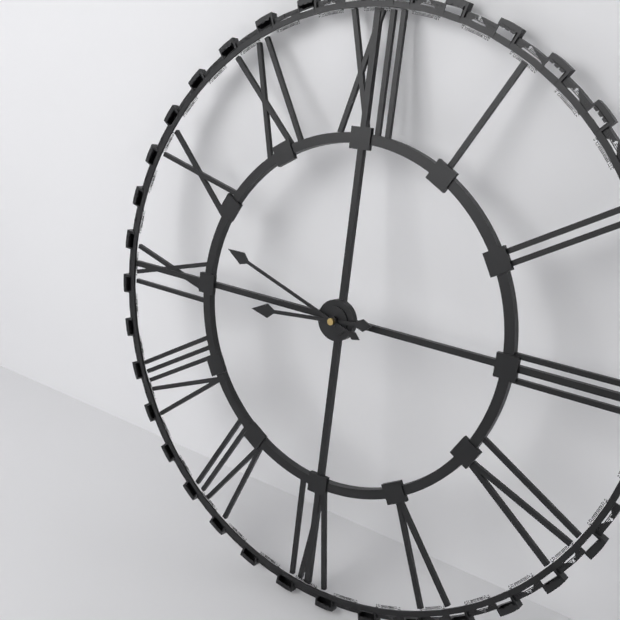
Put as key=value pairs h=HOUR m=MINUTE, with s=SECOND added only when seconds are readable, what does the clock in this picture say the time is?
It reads h=8 m=48
